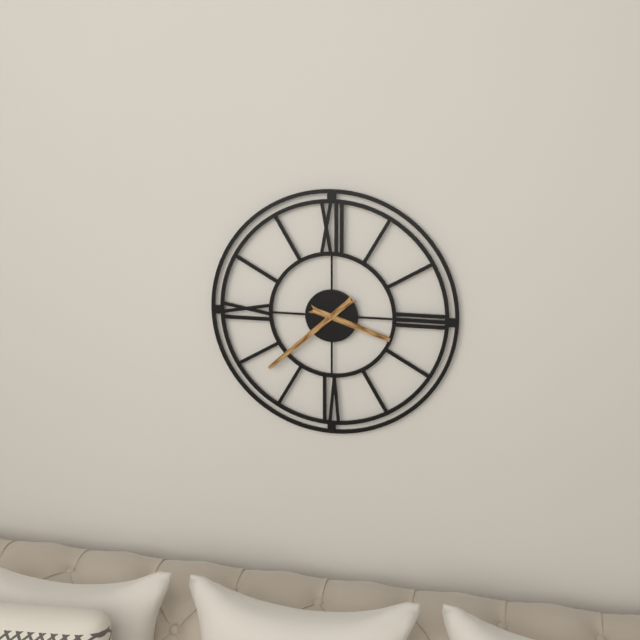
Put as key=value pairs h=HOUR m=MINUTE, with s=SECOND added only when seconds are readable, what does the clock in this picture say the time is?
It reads h=3 m=38
